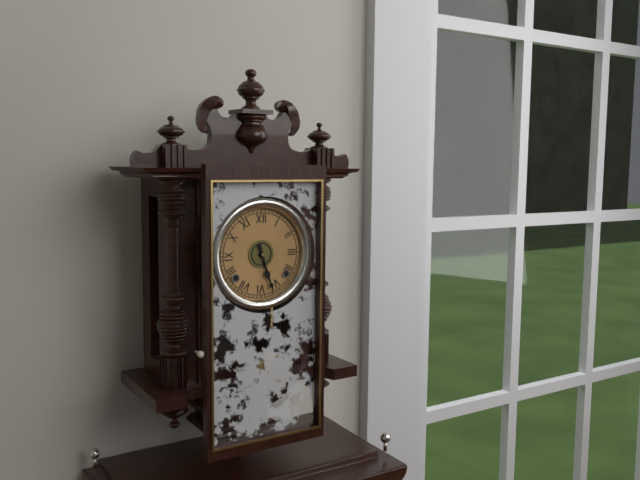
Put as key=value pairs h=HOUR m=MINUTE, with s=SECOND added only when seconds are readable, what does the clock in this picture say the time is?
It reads h=5 m=27
